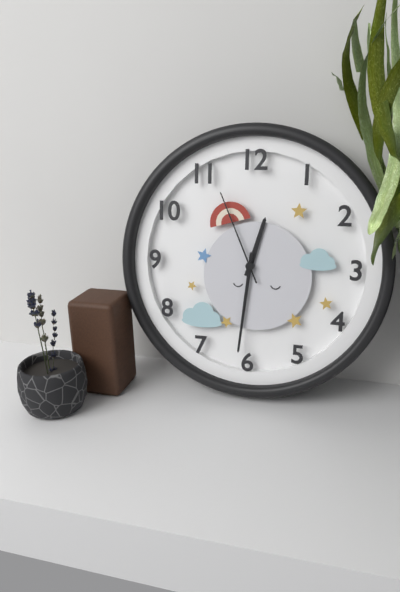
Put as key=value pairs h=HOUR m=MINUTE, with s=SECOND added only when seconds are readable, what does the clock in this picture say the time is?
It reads h=12 m=31 s=56
